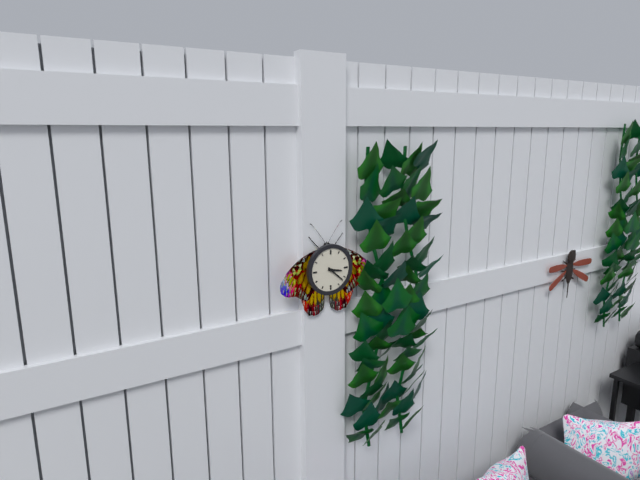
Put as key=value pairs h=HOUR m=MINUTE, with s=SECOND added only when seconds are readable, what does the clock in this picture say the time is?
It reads h=3 m=22
